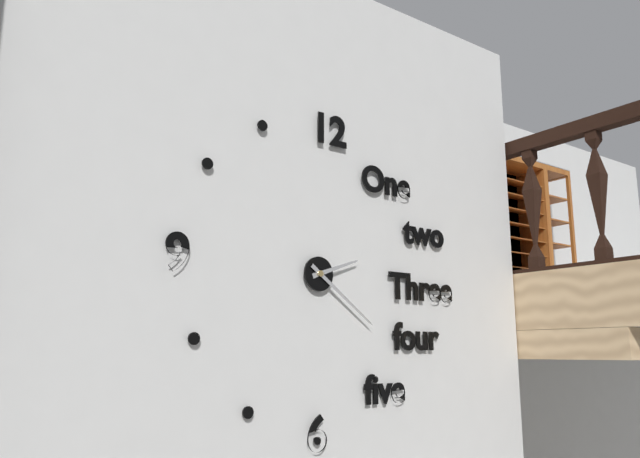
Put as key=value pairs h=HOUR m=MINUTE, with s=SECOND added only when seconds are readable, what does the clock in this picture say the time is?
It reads h=2 m=21
